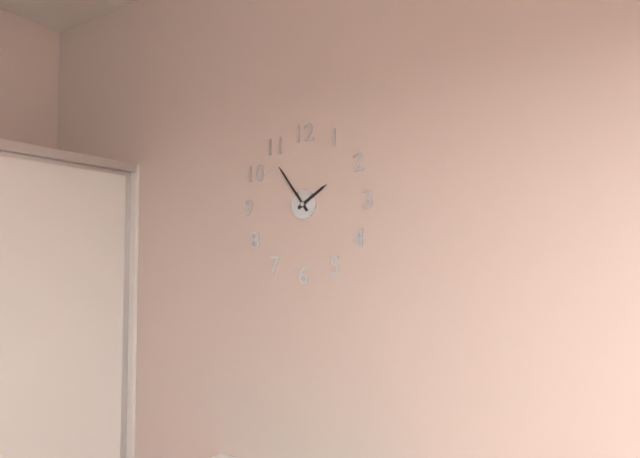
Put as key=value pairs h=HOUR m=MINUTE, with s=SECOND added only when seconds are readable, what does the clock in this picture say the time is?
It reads h=1 m=54
